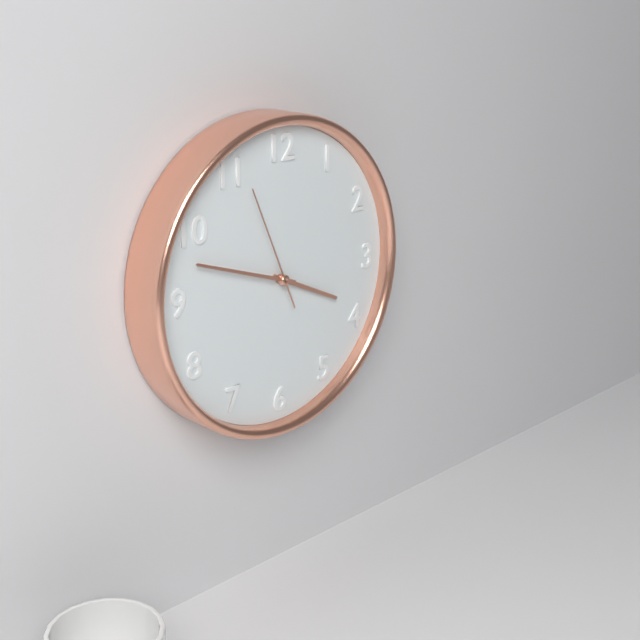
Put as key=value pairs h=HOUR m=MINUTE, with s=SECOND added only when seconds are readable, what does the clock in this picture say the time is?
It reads h=3 m=48 s=56
